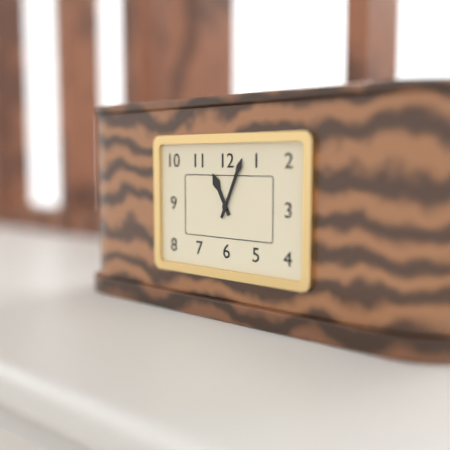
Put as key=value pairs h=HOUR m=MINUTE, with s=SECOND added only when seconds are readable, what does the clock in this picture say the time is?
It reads h=11 m=4
